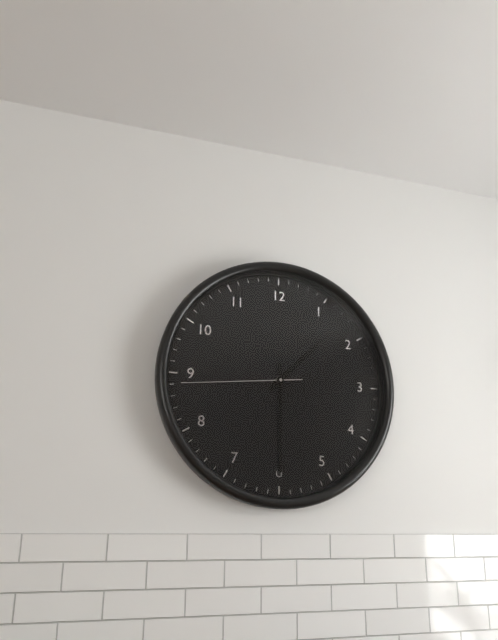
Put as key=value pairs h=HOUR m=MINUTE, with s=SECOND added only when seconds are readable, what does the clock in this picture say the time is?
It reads h=1 m=30 s=44
